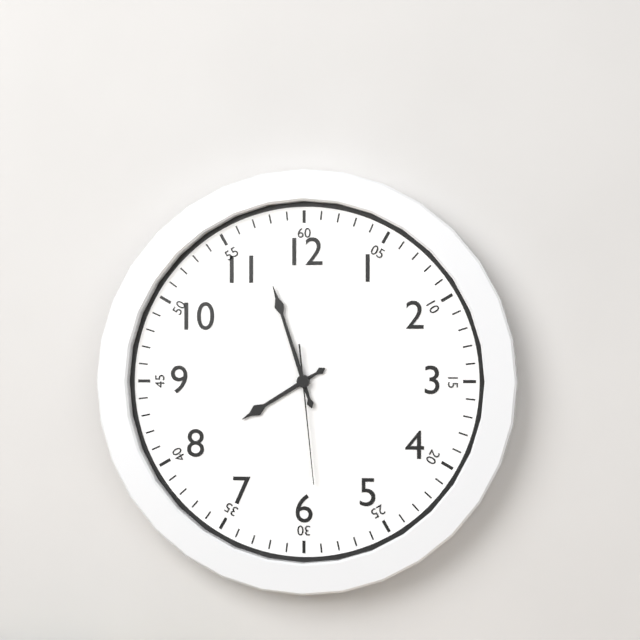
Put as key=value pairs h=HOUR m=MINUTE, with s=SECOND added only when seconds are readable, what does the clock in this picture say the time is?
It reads h=7 m=57 s=29
